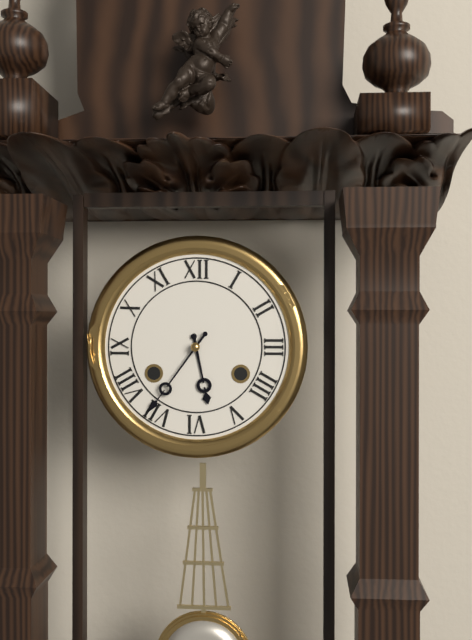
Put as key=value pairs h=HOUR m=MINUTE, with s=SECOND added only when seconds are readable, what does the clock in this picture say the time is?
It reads h=5 m=36
